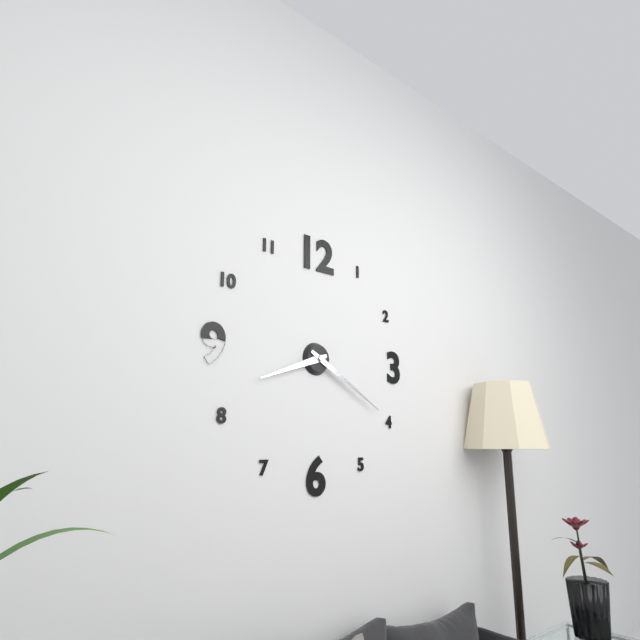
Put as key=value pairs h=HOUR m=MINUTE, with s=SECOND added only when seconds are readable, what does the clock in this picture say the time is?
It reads h=8 m=20
